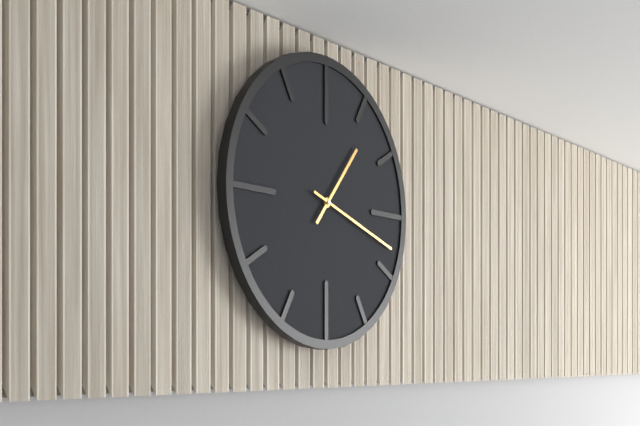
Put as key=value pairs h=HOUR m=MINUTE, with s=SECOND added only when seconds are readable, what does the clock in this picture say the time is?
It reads h=1 m=18
